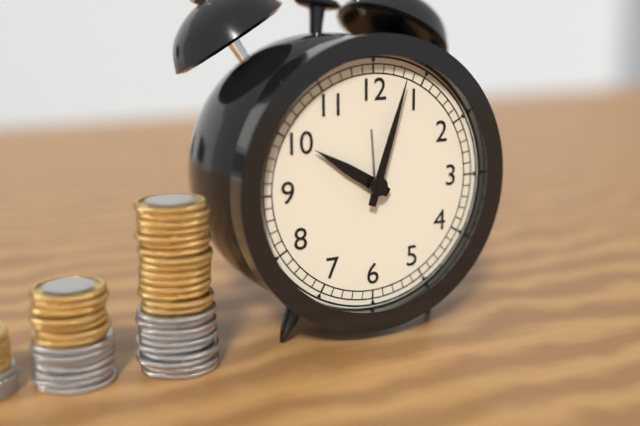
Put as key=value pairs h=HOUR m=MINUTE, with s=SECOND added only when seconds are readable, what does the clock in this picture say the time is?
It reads h=10 m=3
